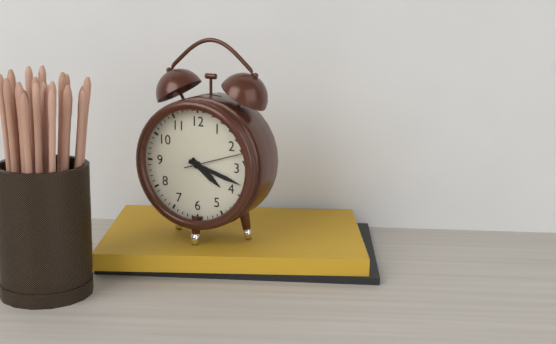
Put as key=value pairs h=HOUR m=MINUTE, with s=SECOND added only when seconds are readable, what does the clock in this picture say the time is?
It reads h=4 m=18 s=12
